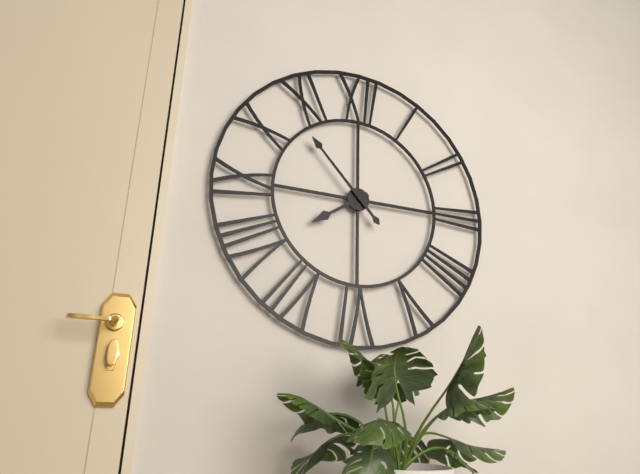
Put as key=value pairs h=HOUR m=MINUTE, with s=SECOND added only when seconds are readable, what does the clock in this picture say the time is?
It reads h=7 m=53
